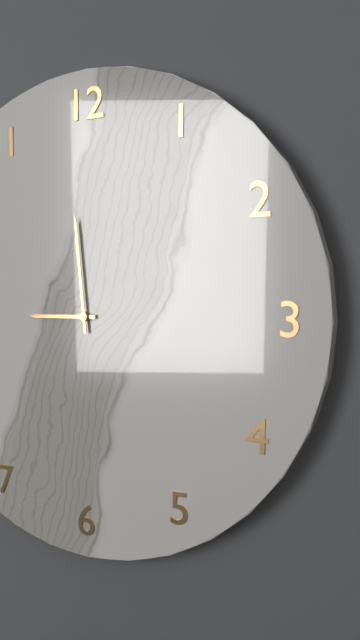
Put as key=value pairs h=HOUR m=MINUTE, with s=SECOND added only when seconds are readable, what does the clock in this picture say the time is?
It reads h=8 m=59
